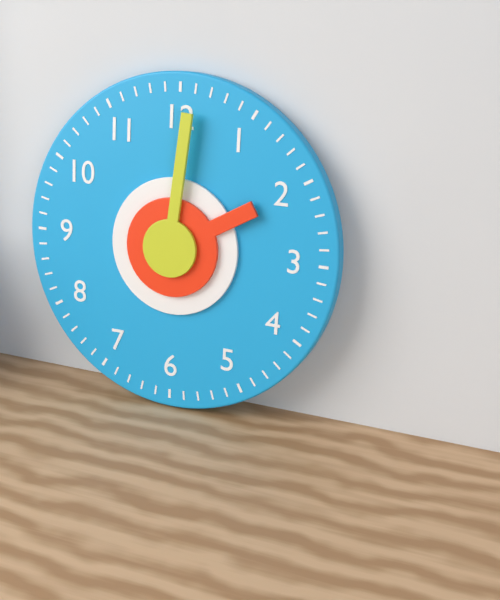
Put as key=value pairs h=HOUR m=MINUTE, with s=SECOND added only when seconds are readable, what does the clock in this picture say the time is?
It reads h=2 m=1
